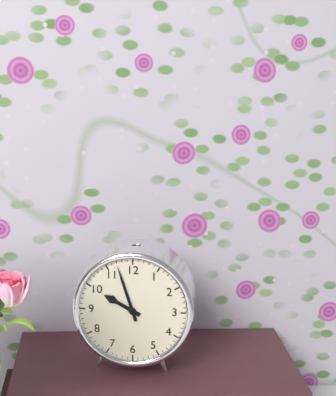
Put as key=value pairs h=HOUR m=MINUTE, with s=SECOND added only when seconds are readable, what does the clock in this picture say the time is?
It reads h=9 m=57
